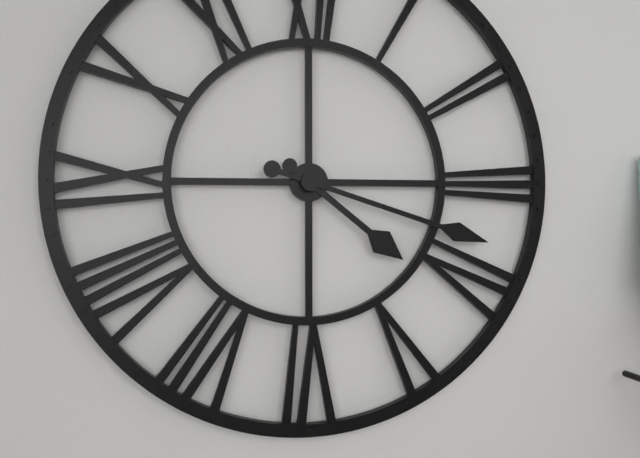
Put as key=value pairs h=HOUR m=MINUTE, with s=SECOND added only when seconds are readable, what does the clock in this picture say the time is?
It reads h=4 m=18
